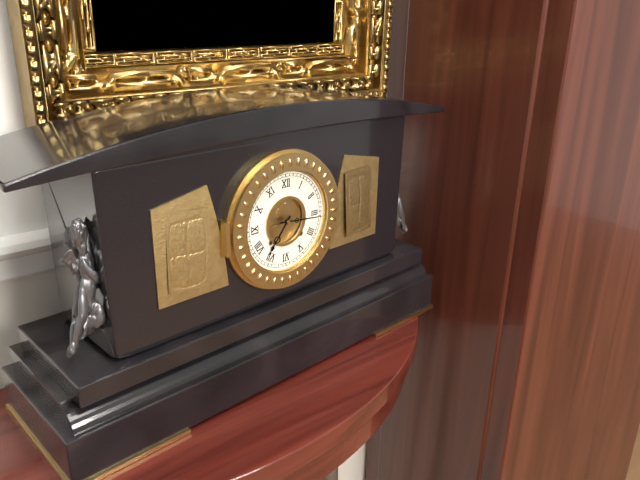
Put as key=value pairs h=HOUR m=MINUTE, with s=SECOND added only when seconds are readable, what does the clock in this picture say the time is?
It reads h=7 m=16
